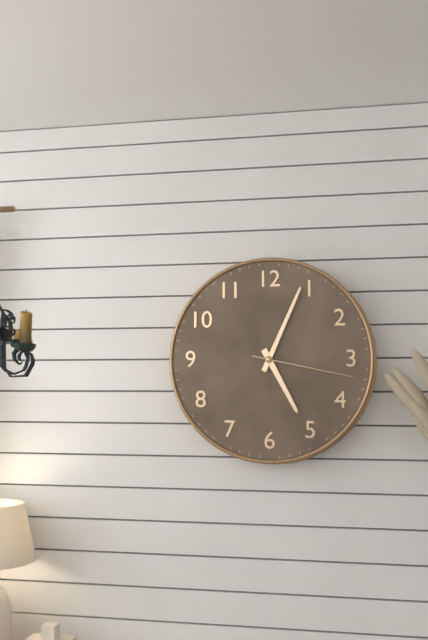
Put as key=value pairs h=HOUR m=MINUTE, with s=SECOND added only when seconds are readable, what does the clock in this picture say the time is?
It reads h=5 m=4 s=17
